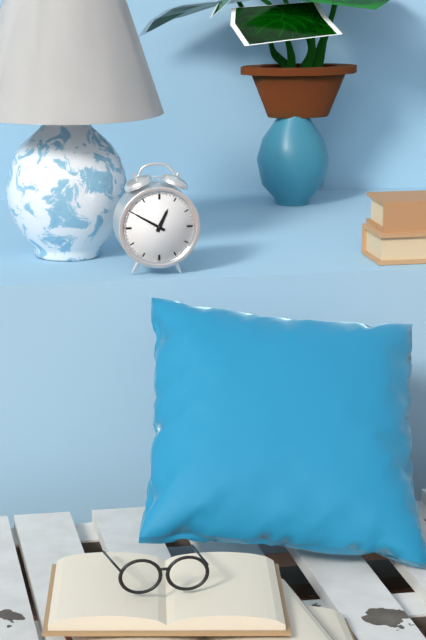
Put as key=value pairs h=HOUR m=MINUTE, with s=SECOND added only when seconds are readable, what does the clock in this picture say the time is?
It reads h=12 m=50
